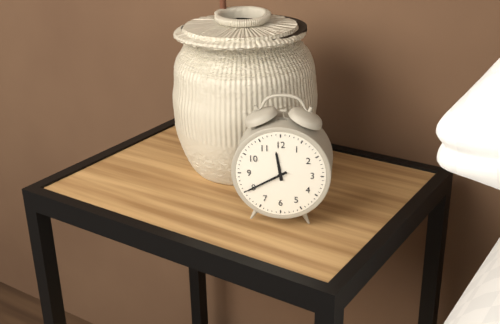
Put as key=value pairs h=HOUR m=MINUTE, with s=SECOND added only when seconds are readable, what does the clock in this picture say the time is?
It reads h=11 m=40
